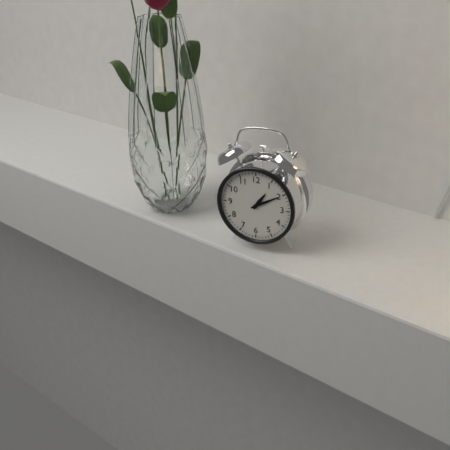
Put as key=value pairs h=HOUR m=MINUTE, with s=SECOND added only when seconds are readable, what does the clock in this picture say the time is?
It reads h=1 m=10
